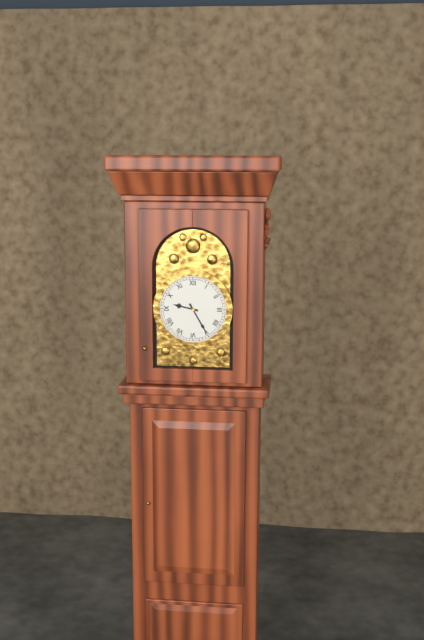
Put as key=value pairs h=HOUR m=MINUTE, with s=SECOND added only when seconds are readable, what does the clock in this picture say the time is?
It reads h=9 m=25
